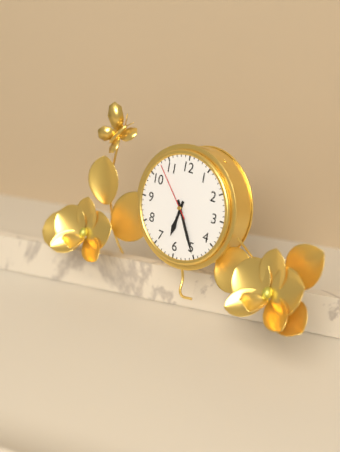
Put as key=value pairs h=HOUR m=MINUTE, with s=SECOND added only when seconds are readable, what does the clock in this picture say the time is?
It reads h=6 m=25 s=53
